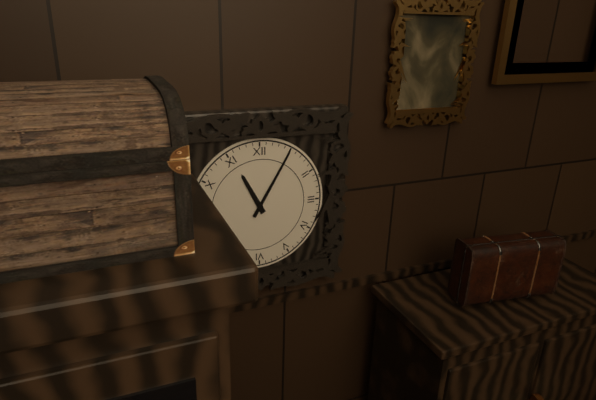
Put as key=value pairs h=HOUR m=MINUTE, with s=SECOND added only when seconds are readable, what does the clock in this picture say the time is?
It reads h=11 m=5
